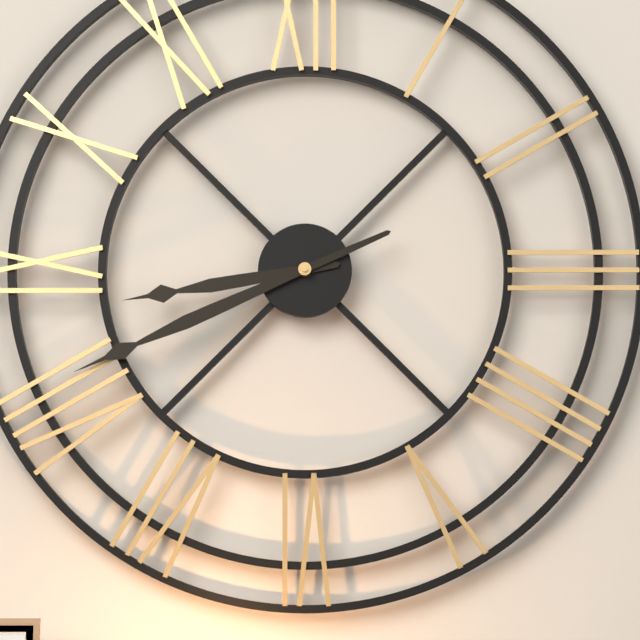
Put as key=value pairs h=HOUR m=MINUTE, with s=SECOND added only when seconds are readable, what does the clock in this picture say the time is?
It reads h=8 m=41
